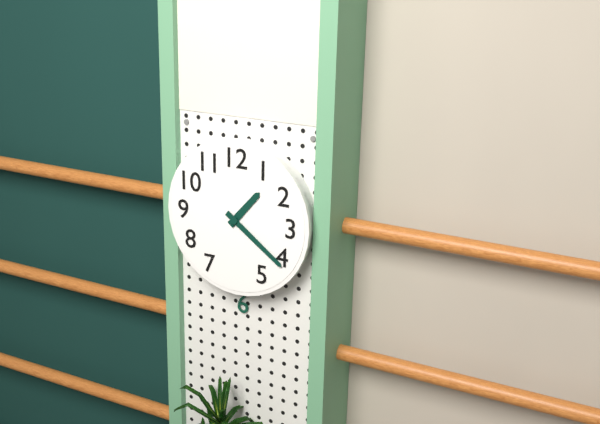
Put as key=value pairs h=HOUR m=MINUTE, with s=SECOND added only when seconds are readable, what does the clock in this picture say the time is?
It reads h=1 m=21
